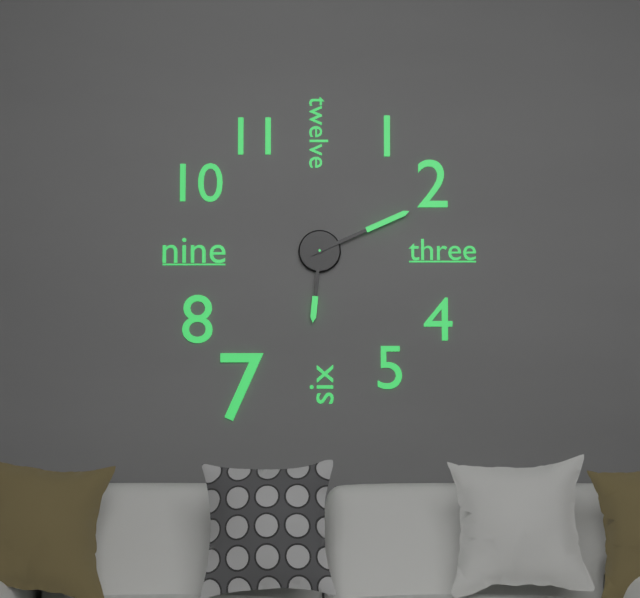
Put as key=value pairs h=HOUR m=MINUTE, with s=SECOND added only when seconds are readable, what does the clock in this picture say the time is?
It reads h=6 m=11
